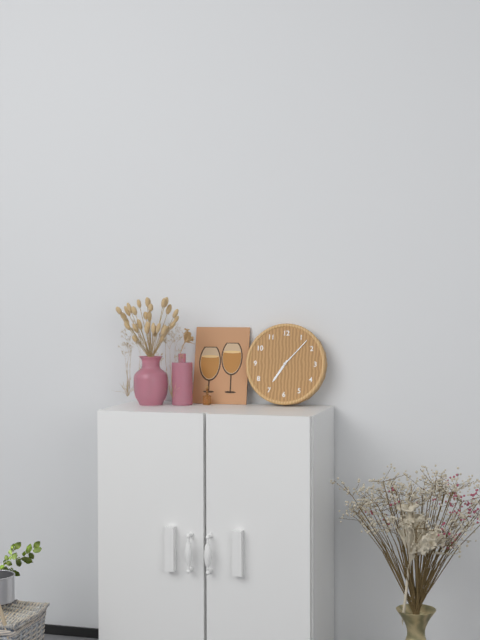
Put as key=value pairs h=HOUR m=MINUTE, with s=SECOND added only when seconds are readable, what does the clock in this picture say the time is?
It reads h=7 m=7
